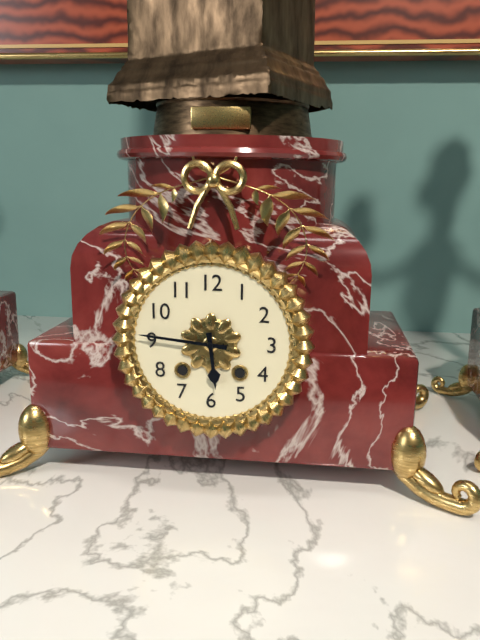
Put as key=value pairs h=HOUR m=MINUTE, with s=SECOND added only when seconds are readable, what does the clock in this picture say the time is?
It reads h=5 m=46
